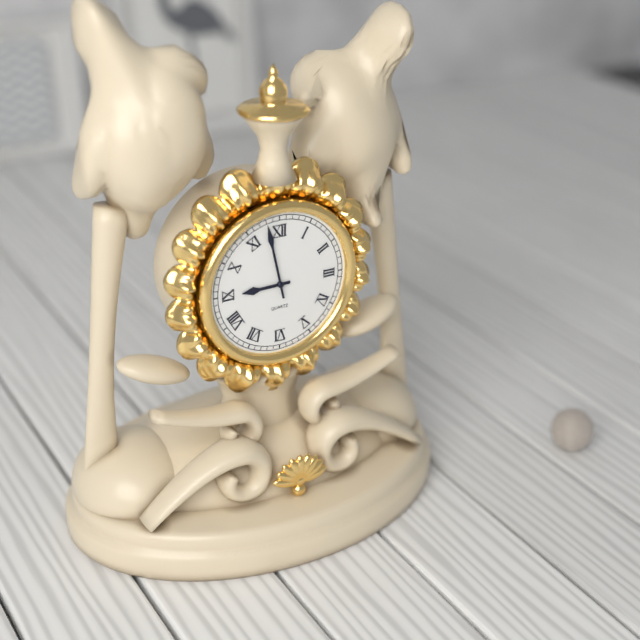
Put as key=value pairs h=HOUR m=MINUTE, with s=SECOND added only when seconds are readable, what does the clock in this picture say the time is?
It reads h=8 m=58
